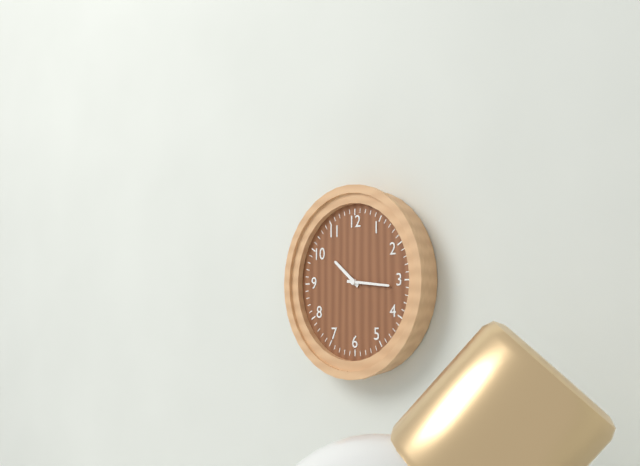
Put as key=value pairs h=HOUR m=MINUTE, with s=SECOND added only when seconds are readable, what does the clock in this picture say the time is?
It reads h=10 m=16
